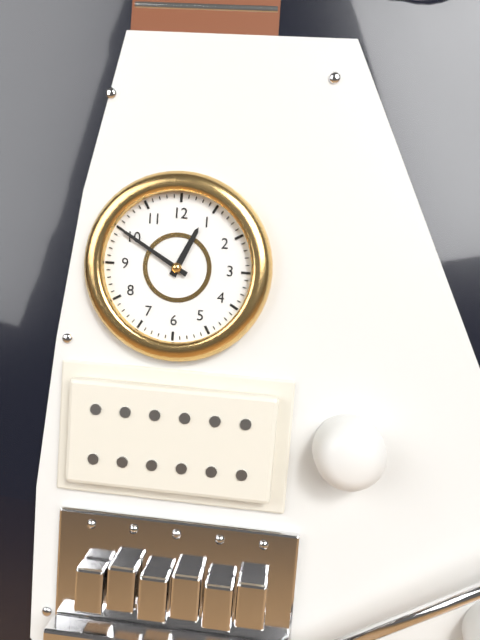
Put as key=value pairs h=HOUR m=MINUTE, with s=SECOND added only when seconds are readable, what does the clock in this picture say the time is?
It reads h=12 m=50
